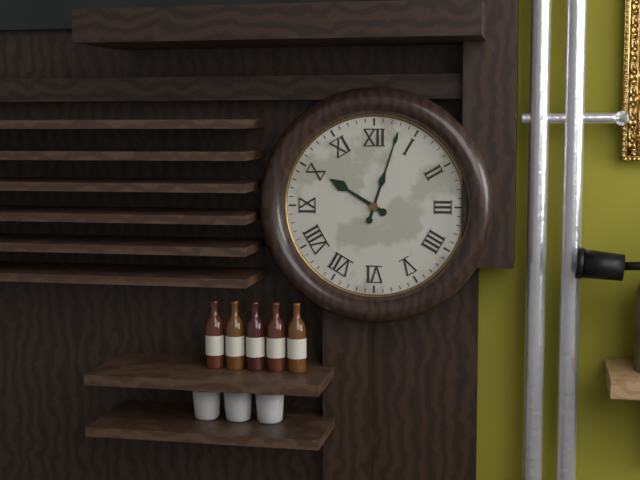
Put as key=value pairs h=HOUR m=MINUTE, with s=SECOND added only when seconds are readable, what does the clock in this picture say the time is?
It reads h=10 m=3
